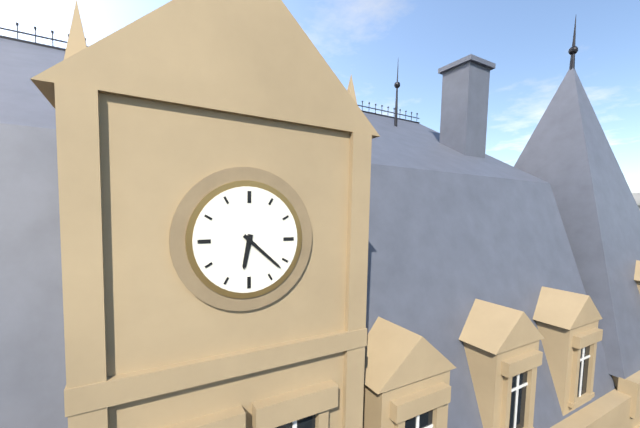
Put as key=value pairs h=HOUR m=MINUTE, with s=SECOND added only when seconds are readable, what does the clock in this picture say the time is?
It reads h=6 m=22
